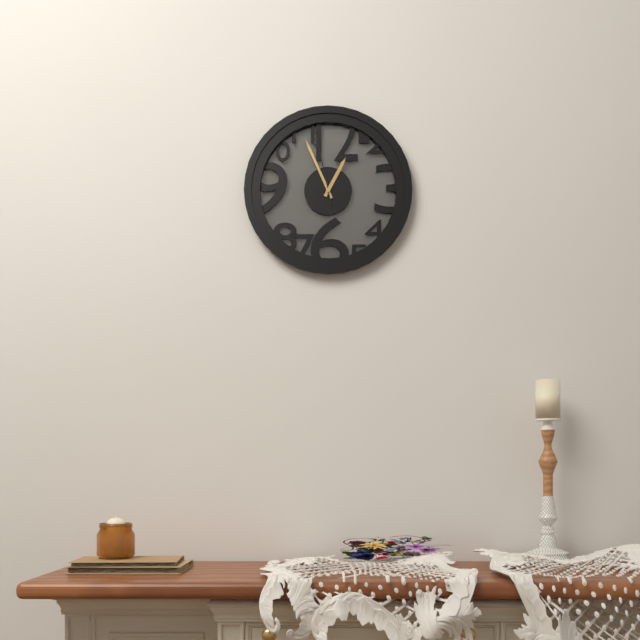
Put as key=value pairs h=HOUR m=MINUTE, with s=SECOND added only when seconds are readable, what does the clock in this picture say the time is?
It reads h=12 m=56 s=58
